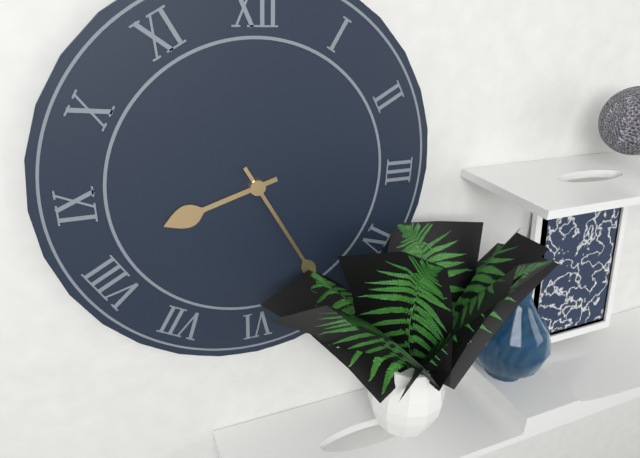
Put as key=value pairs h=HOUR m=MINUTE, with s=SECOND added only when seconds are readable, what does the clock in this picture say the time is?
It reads h=8 m=25
